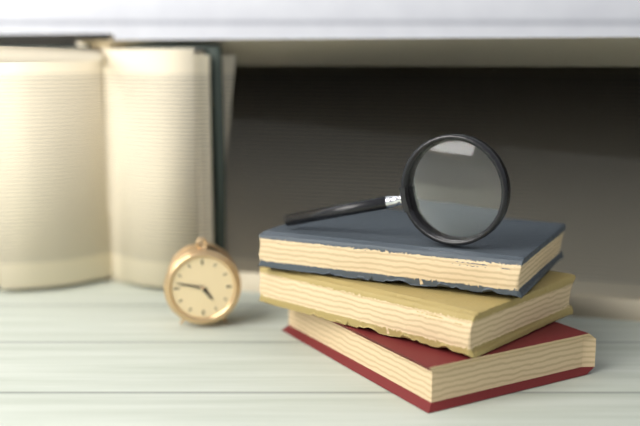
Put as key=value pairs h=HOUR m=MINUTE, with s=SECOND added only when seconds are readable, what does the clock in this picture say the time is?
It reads h=4 m=47
